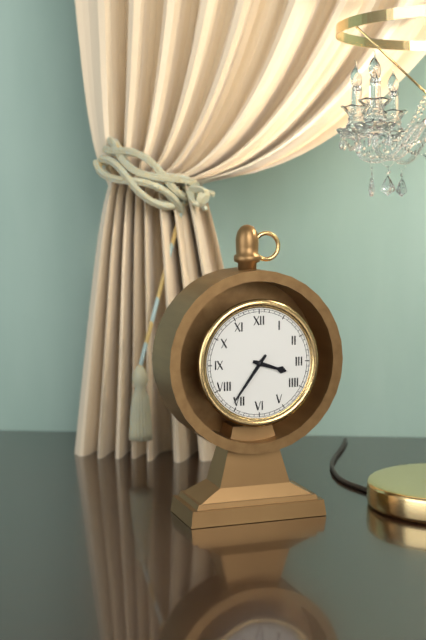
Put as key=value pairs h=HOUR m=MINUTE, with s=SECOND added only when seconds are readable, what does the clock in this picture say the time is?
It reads h=3 m=36
